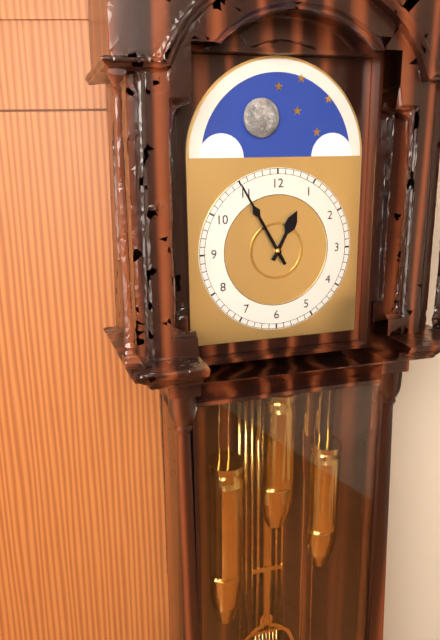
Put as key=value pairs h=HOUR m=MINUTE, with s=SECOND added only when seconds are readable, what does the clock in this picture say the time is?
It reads h=12 m=55
